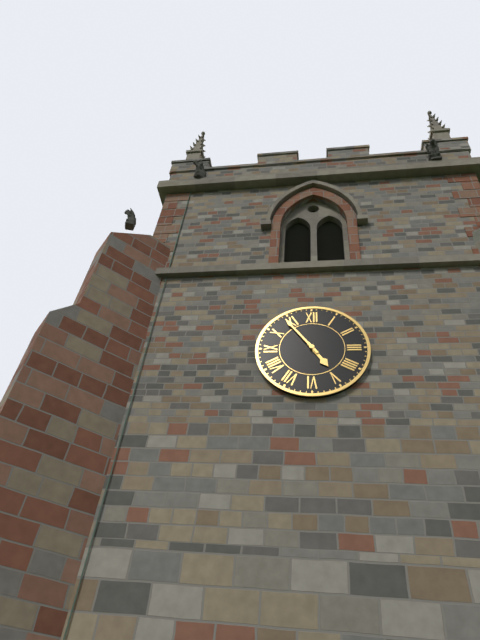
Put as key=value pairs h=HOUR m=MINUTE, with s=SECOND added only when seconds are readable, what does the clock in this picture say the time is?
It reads h=4 m=54
